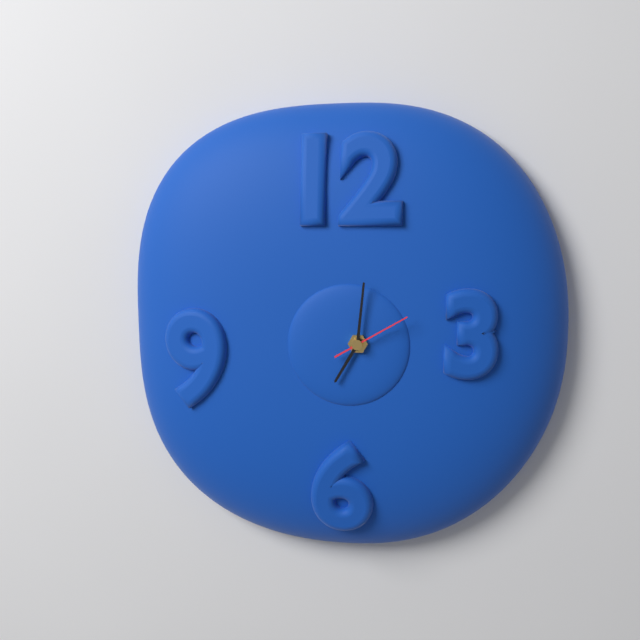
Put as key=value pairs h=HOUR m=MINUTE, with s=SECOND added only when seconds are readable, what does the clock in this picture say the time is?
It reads h=7 m=1 s=10
